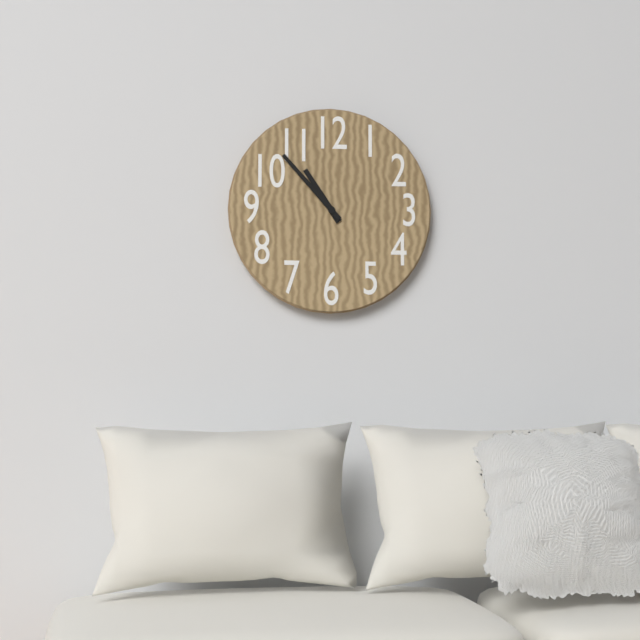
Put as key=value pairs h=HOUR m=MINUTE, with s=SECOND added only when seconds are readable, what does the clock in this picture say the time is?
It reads h=10 m=53
